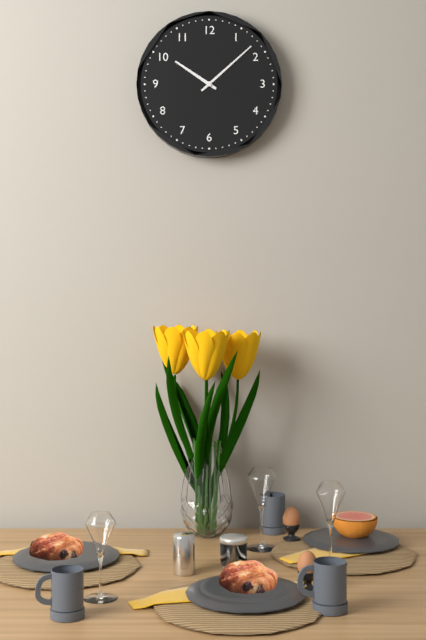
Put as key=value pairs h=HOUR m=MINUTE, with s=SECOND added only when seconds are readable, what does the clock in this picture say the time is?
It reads h=10 m=8
